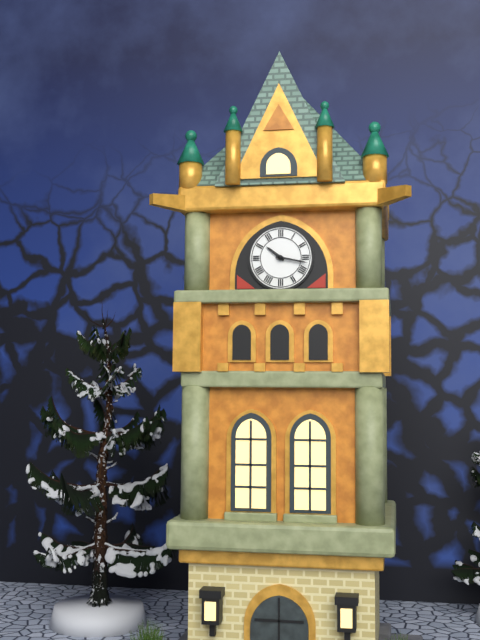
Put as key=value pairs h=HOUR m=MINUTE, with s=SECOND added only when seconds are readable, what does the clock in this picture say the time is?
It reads h=10 m=17
